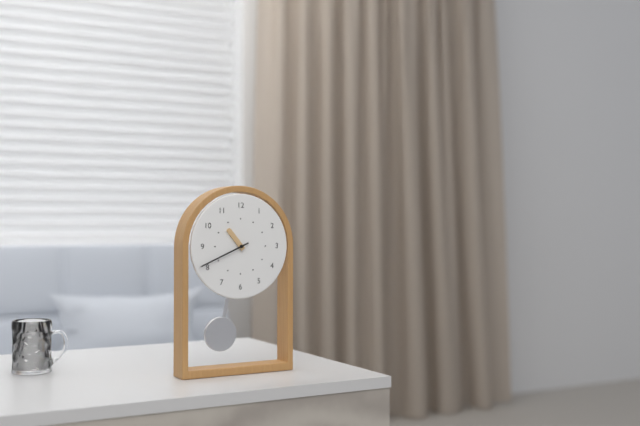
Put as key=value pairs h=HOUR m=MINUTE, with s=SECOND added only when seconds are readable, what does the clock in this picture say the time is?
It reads h=10 m=41
